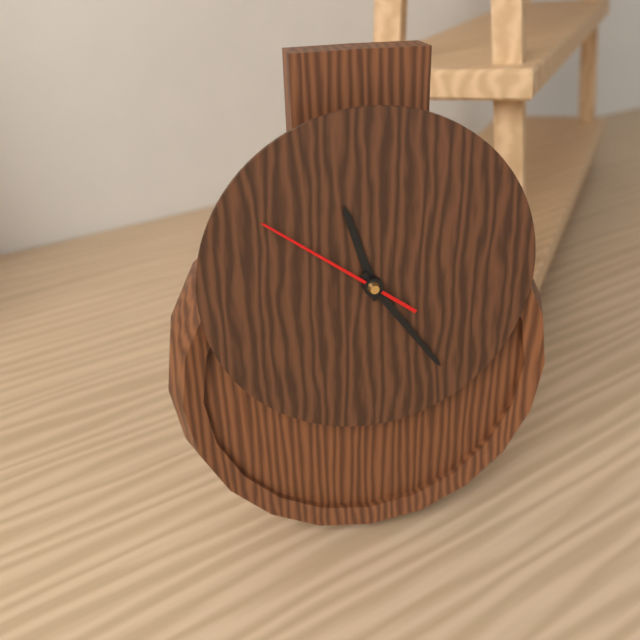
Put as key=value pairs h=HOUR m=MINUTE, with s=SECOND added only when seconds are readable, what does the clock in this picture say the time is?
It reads h=11 m=24 s=51
